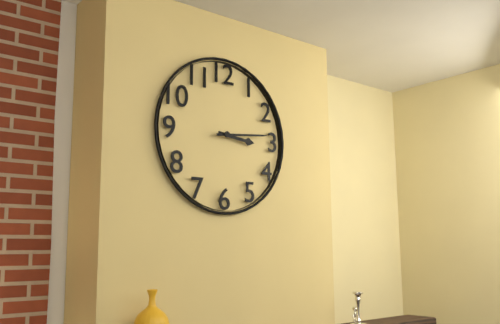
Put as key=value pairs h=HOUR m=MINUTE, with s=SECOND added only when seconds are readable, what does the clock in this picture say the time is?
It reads h=3 m=14
